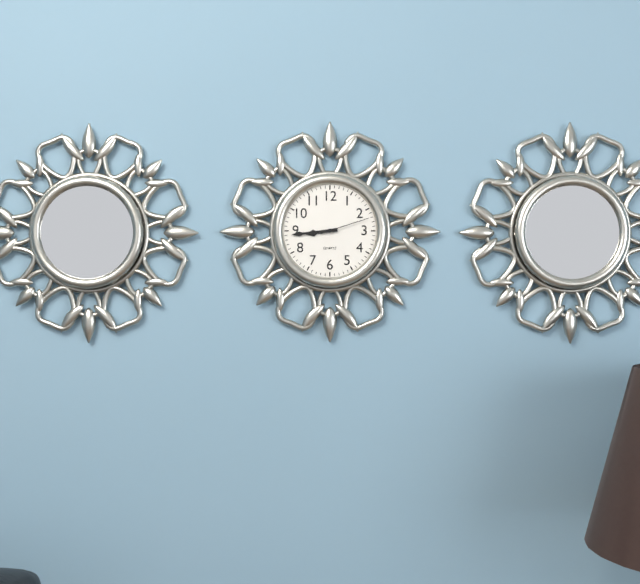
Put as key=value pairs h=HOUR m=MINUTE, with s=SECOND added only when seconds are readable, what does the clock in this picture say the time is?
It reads h=8 m=44 s=12
